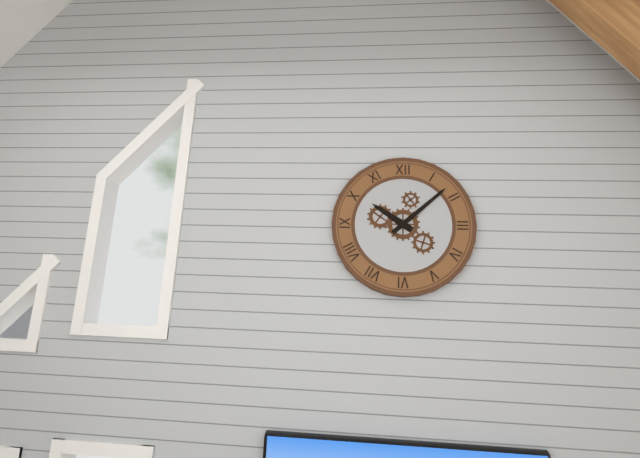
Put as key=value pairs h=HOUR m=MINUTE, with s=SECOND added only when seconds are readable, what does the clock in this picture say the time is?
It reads h=10 m=8
